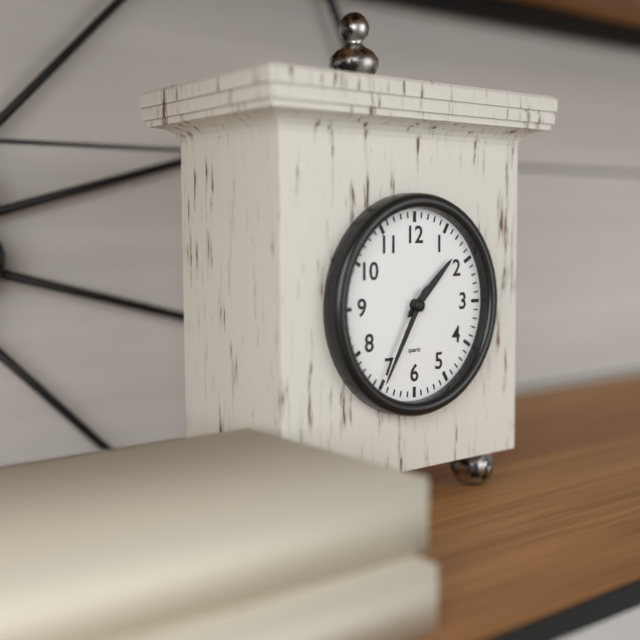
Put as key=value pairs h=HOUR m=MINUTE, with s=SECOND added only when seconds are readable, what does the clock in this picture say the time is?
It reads h=1 m=35
